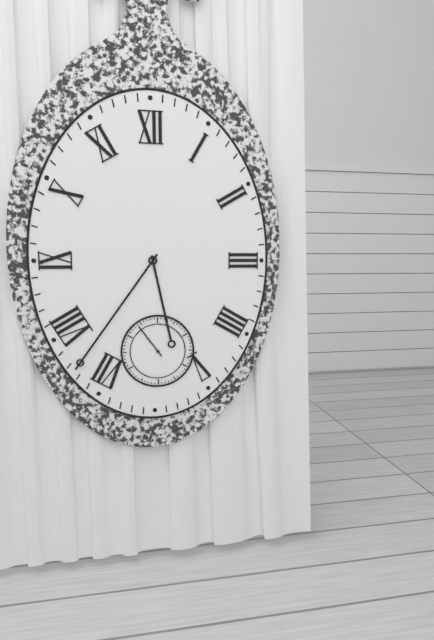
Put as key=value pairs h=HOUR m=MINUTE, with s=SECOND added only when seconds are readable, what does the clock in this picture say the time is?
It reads h=5 m=36
